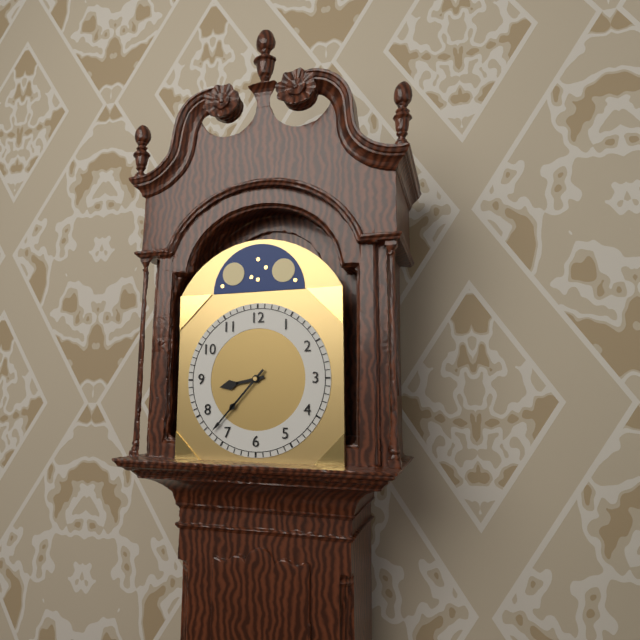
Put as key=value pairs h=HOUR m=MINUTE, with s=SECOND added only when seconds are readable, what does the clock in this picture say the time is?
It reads h=8 m=37
